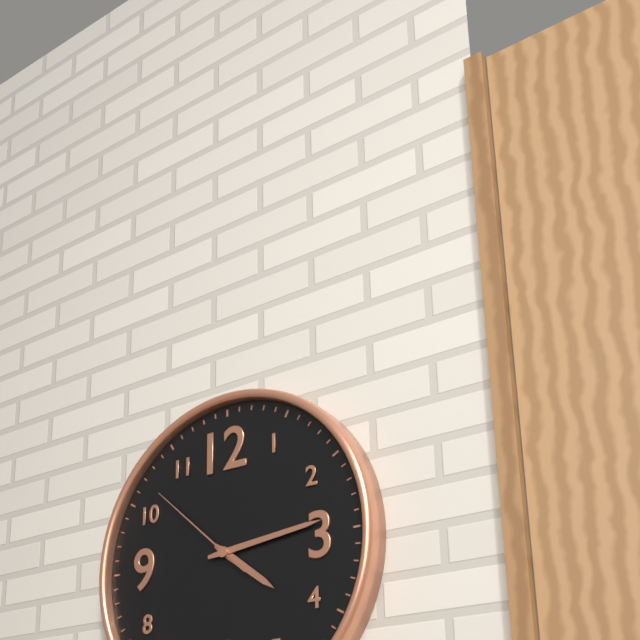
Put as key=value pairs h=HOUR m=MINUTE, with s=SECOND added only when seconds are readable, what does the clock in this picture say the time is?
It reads h=4 m=14 s=52
